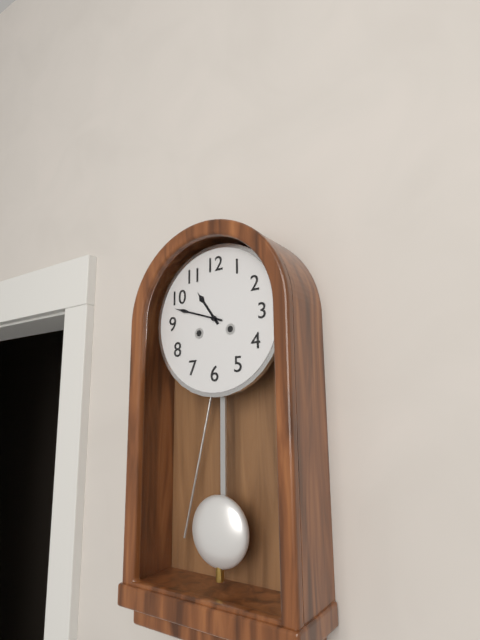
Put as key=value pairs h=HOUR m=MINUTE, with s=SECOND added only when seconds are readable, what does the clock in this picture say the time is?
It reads h=10 m=48
